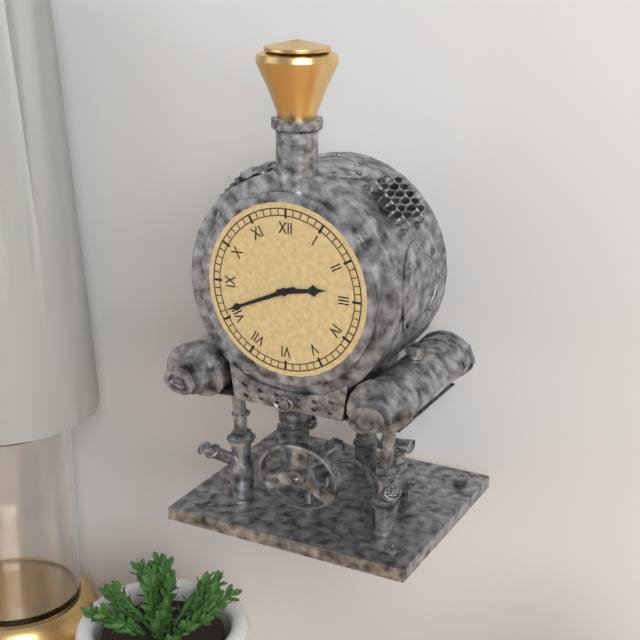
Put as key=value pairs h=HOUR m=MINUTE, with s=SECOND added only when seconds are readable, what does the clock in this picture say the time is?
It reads h=2 m=41
